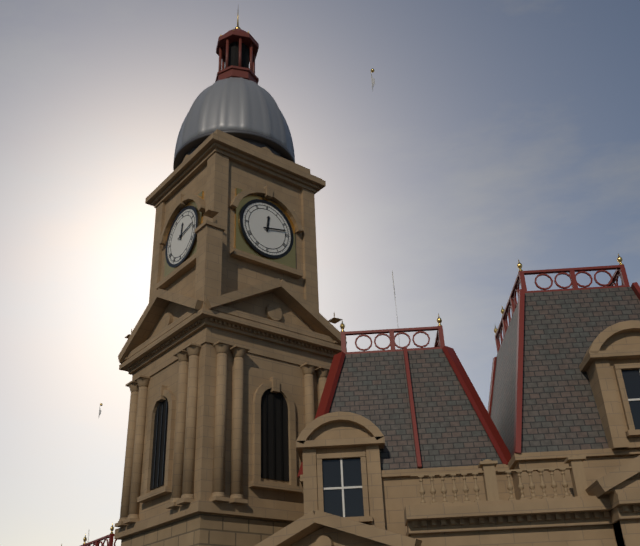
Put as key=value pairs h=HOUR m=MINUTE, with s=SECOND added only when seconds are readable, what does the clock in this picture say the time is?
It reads h=12 m=13
